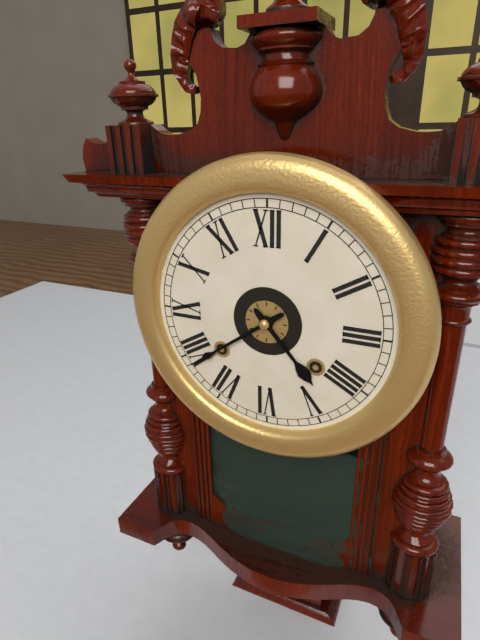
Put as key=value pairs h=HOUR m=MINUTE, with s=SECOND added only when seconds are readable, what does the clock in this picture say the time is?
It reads h=4 m=39
